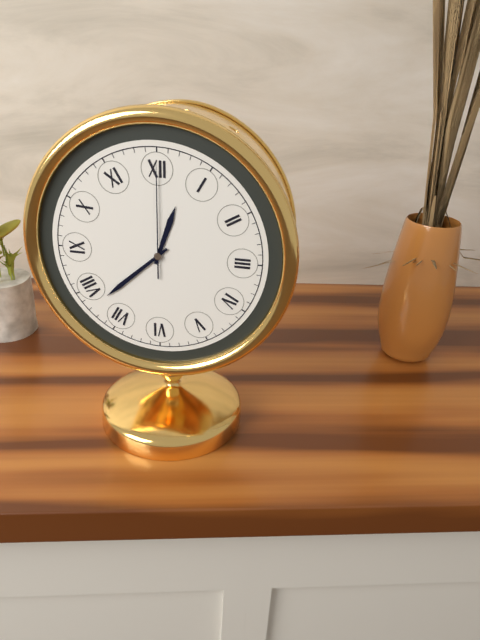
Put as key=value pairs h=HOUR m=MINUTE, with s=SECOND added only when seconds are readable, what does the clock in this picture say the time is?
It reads h=12 m=38 s=0
